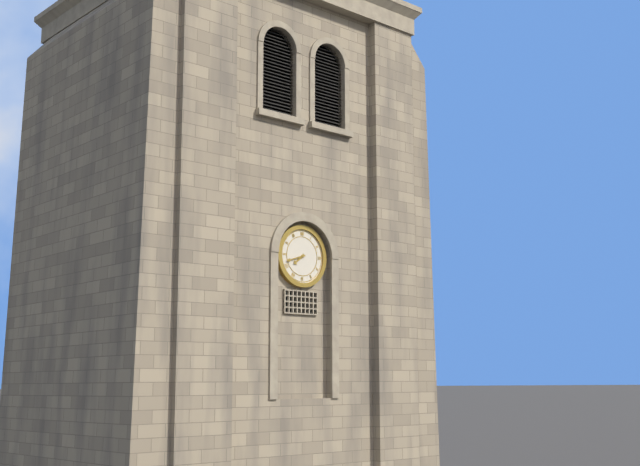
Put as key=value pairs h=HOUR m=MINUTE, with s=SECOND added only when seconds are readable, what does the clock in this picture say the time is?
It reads h=7 m=42
